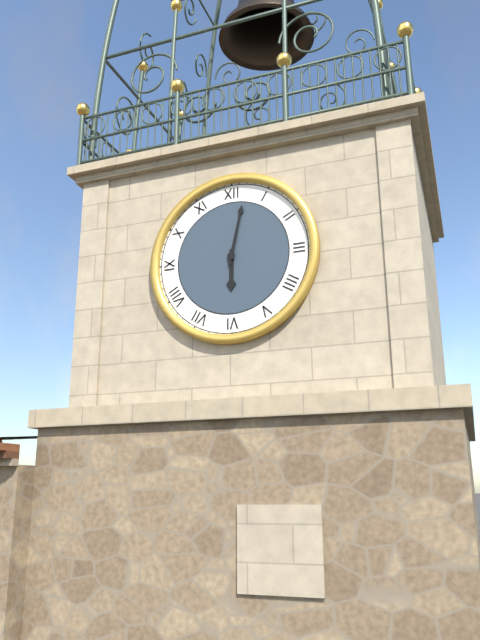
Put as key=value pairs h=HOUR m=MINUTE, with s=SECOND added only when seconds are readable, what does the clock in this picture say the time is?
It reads h=6 m=2
